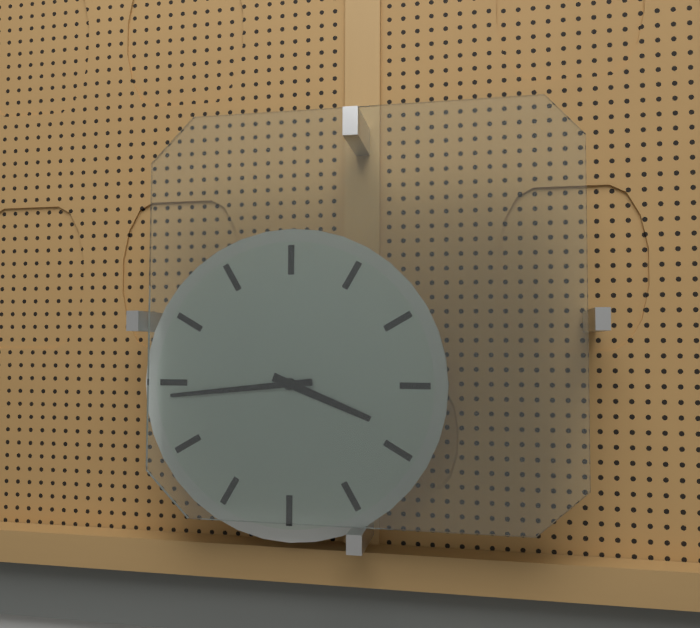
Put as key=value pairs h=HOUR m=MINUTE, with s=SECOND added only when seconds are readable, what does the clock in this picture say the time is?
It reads h=3 m=44
